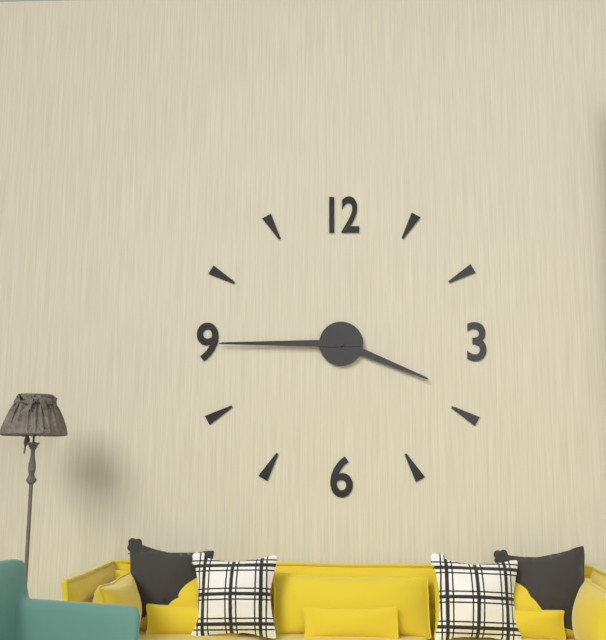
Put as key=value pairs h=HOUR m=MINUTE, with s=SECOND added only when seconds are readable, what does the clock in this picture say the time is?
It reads h=3 m=45
